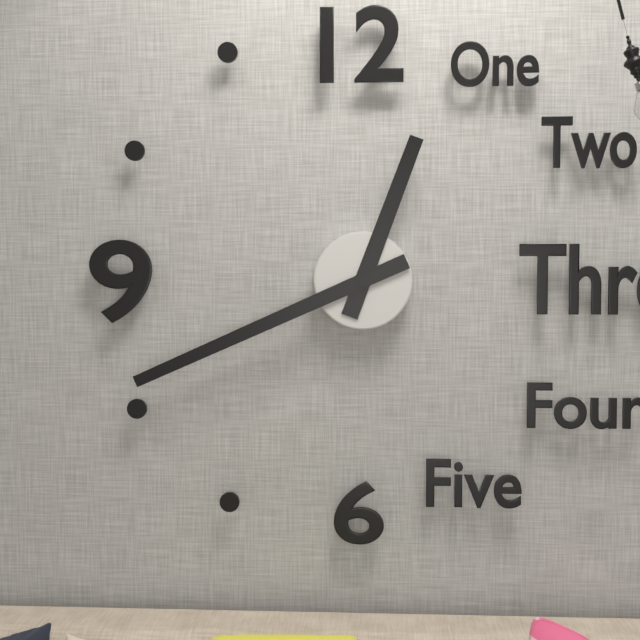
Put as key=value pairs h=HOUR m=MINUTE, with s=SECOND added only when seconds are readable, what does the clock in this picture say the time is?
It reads h=12 m=41
